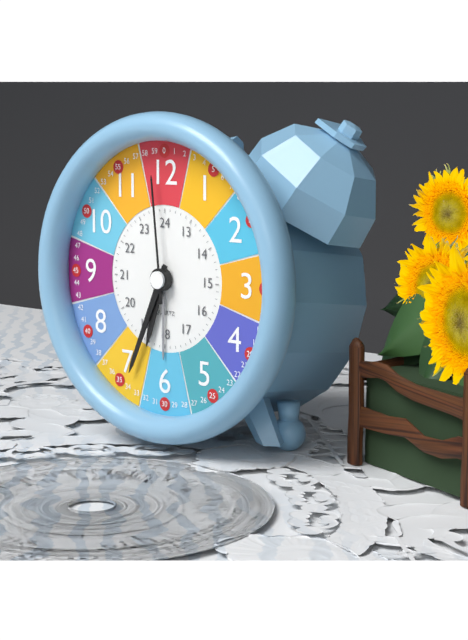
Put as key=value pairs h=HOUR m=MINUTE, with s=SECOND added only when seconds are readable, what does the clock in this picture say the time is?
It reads h=6 m=34 s=59
